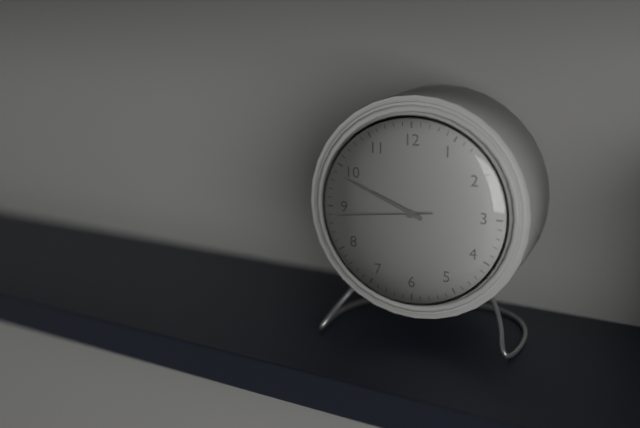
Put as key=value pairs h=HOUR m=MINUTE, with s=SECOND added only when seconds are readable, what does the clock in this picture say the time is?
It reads h=9 m=49 s=44
